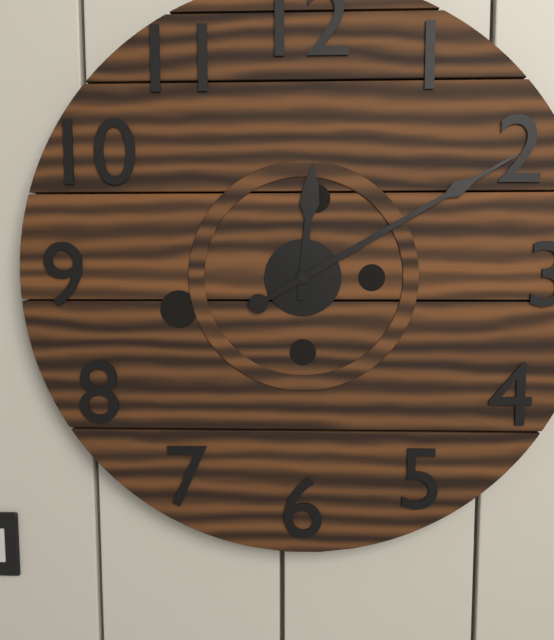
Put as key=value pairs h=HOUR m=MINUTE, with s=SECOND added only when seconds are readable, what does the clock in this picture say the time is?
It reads h=12 m=10
